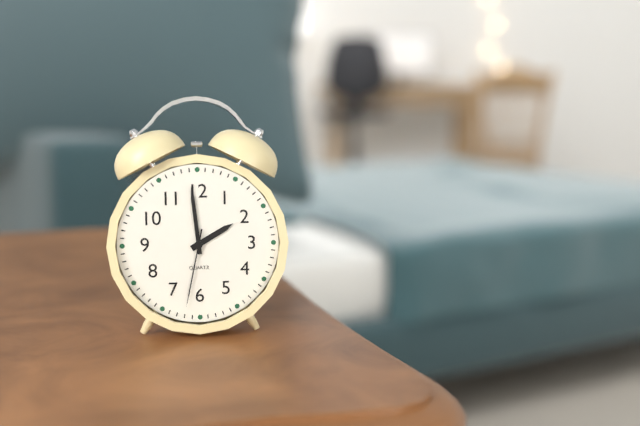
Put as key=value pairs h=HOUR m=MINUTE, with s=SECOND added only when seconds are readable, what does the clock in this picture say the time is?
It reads h=1 m=59 s=32
